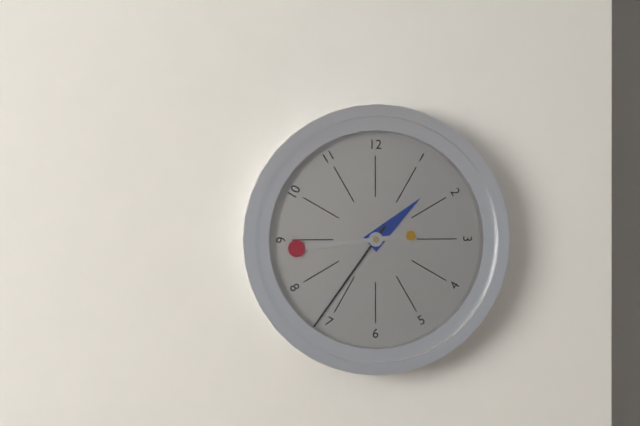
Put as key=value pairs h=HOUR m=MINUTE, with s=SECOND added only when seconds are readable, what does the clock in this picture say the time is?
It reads h=1 m=36 s=44
